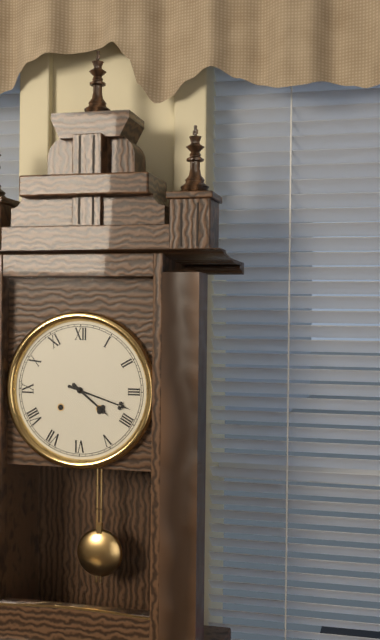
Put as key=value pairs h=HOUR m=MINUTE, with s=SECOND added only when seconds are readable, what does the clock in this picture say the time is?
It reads h=4 m=18
